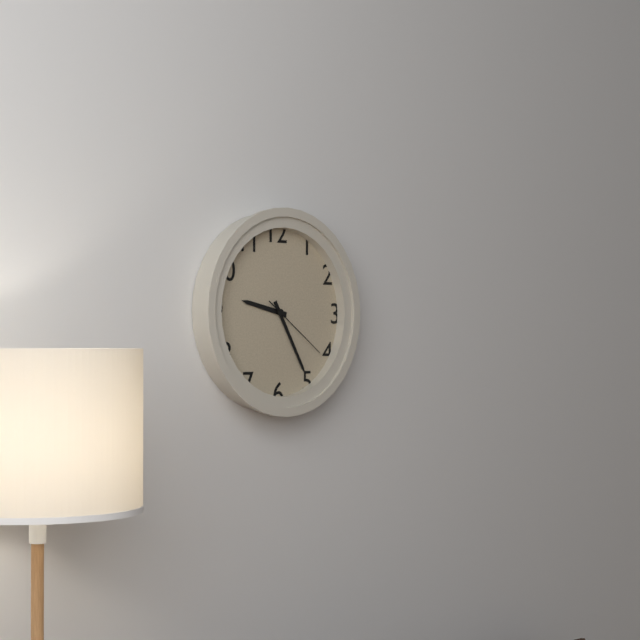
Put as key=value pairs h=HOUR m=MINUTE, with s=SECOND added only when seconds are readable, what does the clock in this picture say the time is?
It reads h=9 m=25 s=21
